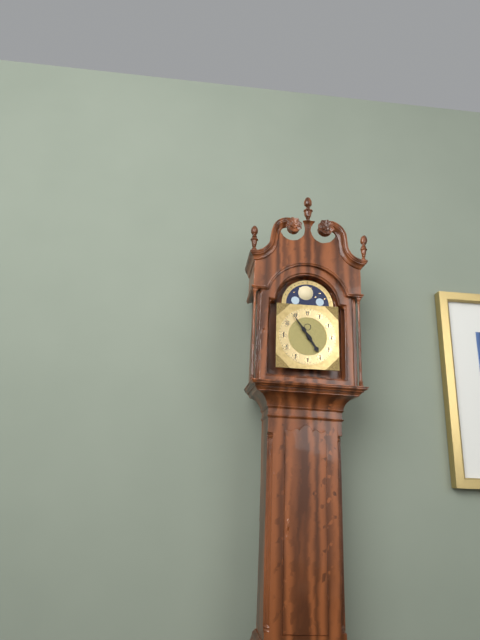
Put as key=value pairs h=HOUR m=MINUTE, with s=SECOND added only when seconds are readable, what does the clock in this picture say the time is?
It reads h=4 m=54
